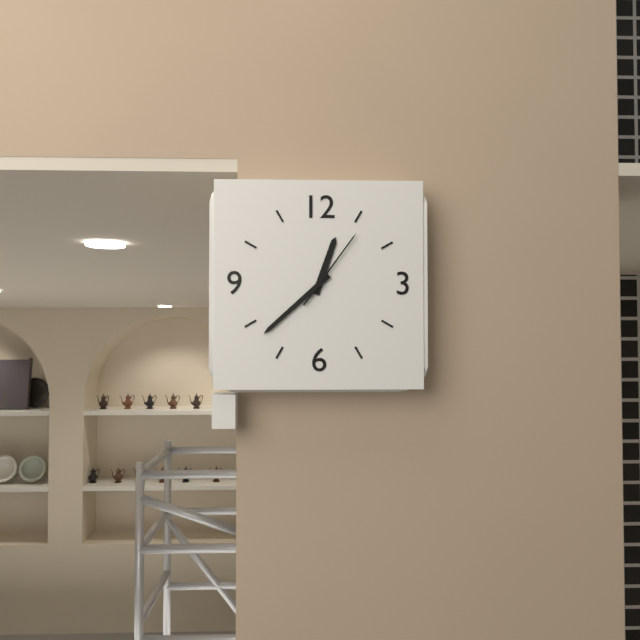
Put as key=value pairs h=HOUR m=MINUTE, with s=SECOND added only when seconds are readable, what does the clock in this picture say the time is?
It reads h=12 m=38 s=6
